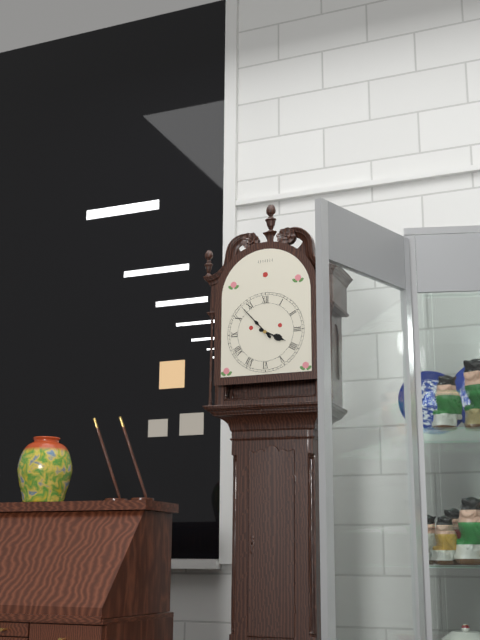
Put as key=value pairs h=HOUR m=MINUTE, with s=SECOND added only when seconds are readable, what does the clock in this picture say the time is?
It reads h=3 m=53
